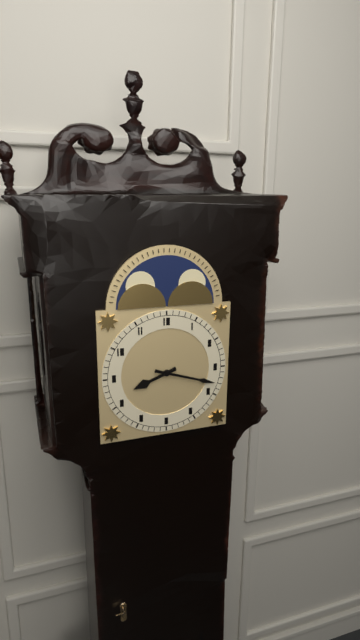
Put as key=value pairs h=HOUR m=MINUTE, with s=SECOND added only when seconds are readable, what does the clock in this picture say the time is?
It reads h=8 m=18
